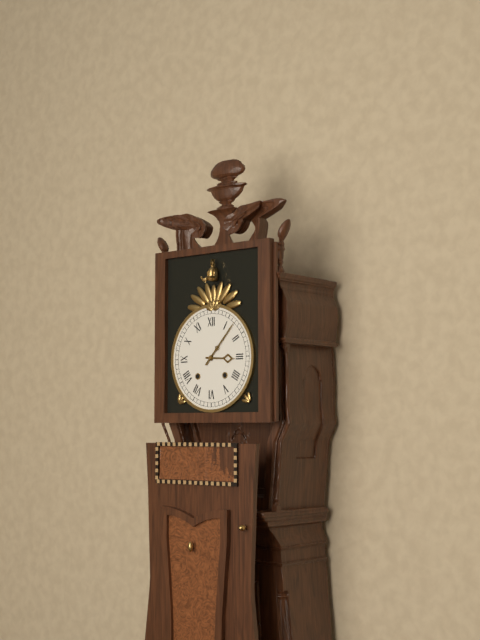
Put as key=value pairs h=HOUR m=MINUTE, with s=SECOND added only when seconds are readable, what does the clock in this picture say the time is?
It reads h=3 m=7
